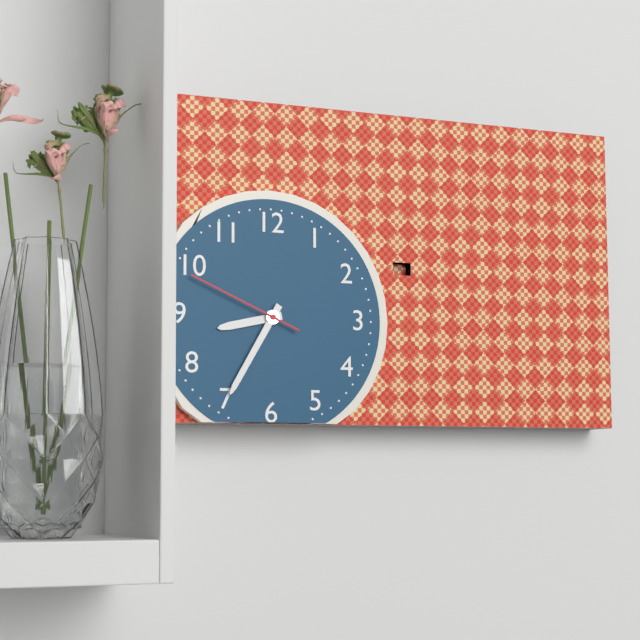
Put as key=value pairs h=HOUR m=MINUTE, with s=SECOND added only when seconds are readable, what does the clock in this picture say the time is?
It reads h=8 m=35 s=49
